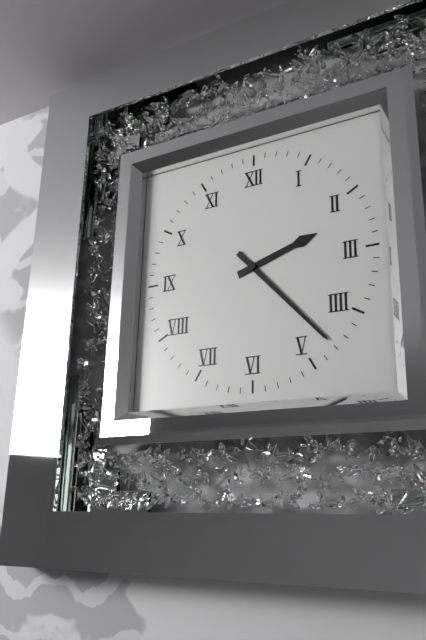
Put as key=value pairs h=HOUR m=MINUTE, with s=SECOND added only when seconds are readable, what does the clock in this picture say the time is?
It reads h=2 m=23
